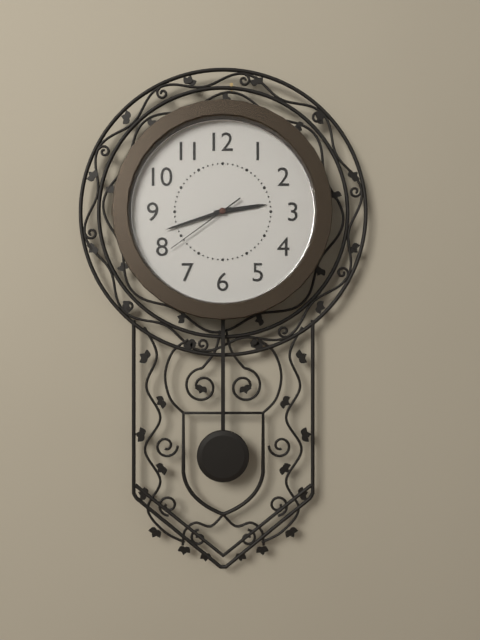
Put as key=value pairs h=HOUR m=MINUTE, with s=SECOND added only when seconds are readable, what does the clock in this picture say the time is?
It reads h=2 m=42 s=39
